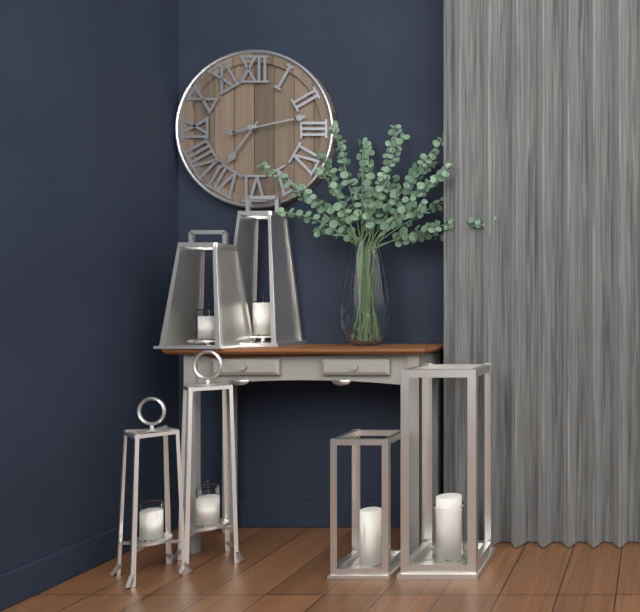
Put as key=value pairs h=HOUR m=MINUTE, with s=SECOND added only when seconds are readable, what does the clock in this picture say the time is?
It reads h=7 m=13
